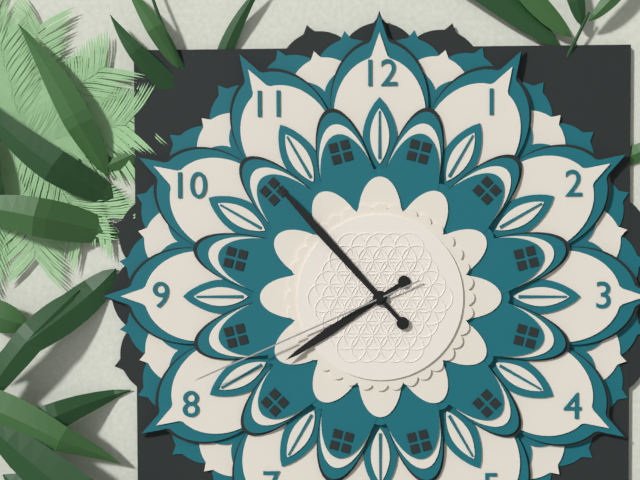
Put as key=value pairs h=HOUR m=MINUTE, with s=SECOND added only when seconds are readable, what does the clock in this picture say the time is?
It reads h=7 m=53 s=41
